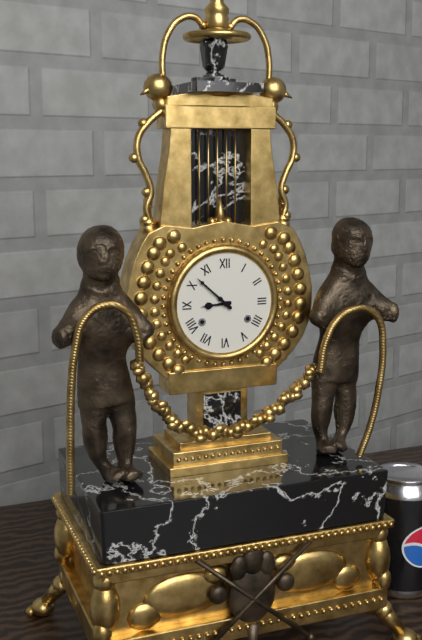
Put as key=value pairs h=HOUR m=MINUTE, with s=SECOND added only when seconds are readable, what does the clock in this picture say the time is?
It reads h=8 m=52
